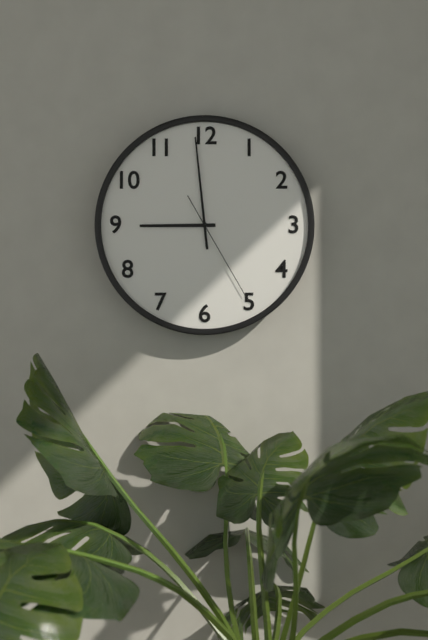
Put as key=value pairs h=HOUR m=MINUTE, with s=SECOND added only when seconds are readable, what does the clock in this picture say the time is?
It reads h=8 m=59 s=25
